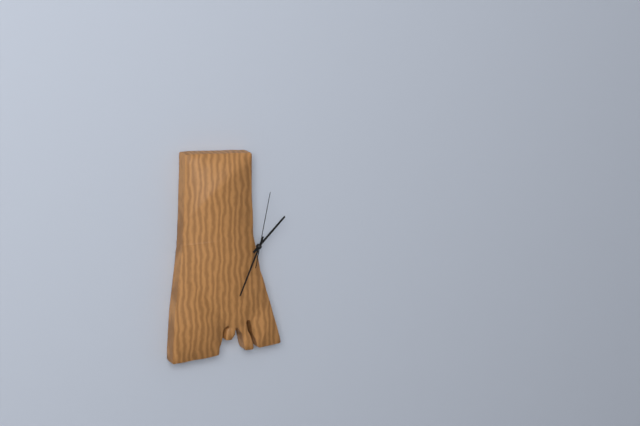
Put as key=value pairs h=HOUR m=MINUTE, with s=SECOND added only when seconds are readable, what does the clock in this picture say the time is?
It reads h=1 m=34 s=2
